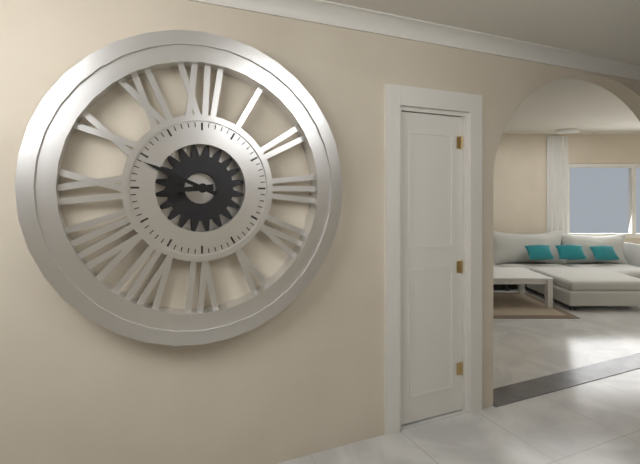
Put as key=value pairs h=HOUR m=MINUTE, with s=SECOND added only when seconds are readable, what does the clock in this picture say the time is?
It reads h=8 m=49
